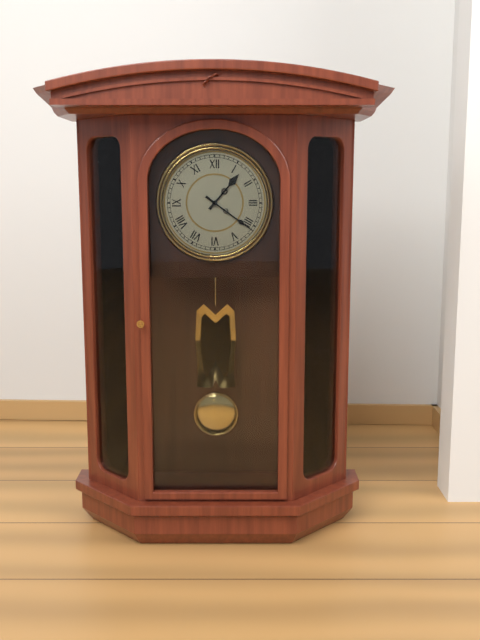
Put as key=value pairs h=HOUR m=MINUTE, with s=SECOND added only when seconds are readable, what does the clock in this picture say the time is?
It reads h=1 m=21
